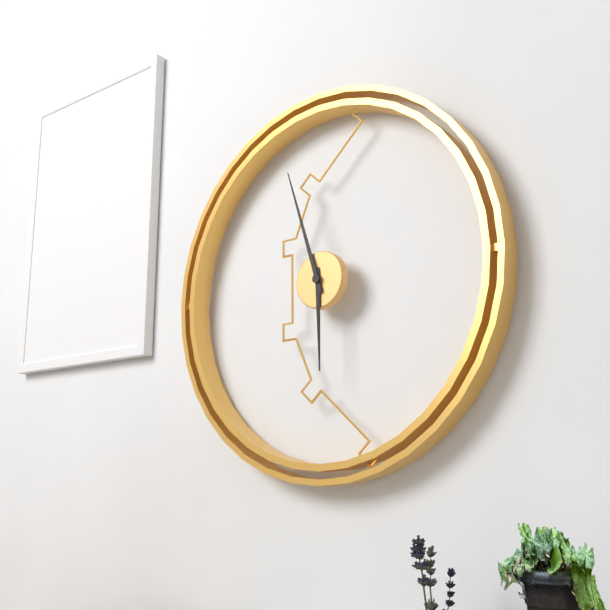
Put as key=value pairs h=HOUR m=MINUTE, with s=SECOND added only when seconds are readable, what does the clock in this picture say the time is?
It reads h=5 m=57
